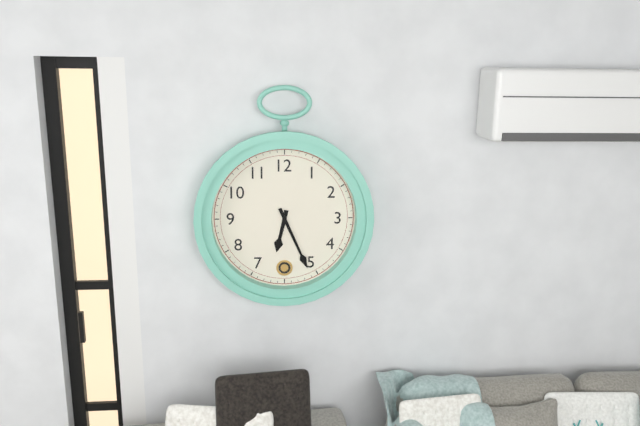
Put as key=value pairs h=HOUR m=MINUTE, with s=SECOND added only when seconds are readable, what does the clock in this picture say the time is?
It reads h=6 m=26
